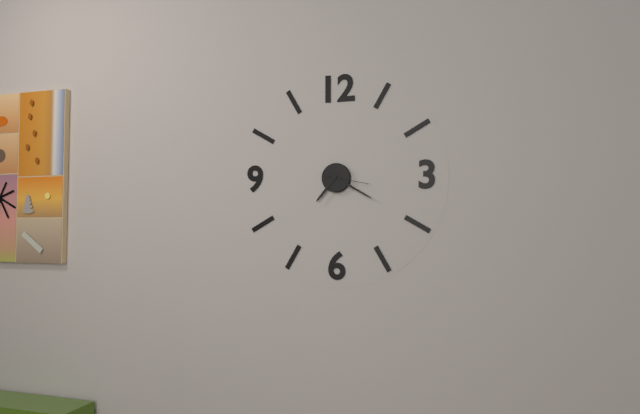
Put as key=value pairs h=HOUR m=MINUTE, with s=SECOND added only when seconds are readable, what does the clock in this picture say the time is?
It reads h=7 m=20
